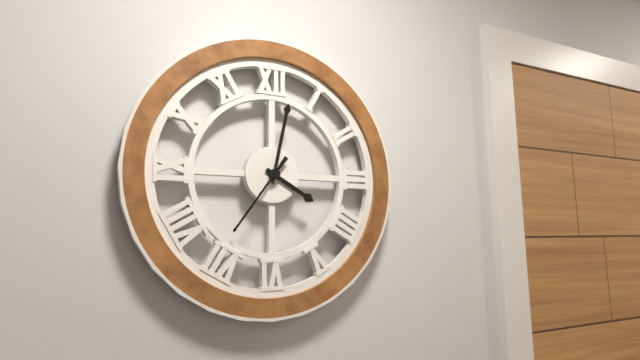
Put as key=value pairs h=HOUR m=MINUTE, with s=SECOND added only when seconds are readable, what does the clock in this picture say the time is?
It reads h=4 m=2 s=36
